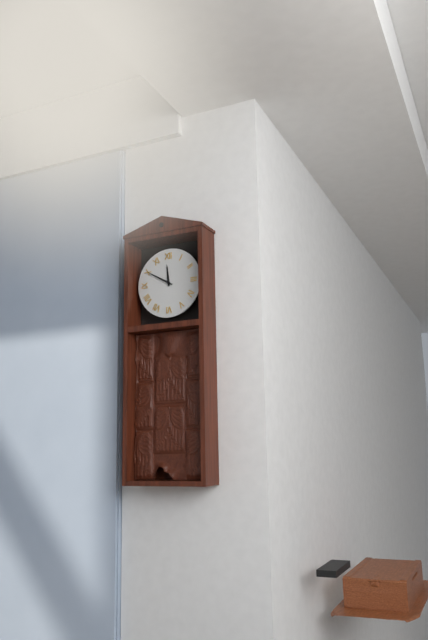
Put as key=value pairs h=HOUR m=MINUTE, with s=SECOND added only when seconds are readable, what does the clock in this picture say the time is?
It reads h=11 m=50
